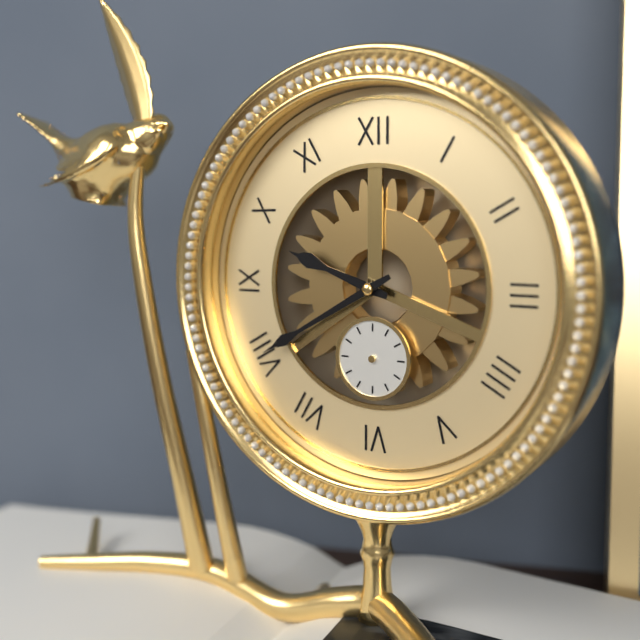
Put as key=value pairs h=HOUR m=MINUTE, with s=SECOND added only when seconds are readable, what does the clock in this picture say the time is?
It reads h=9 m=40
